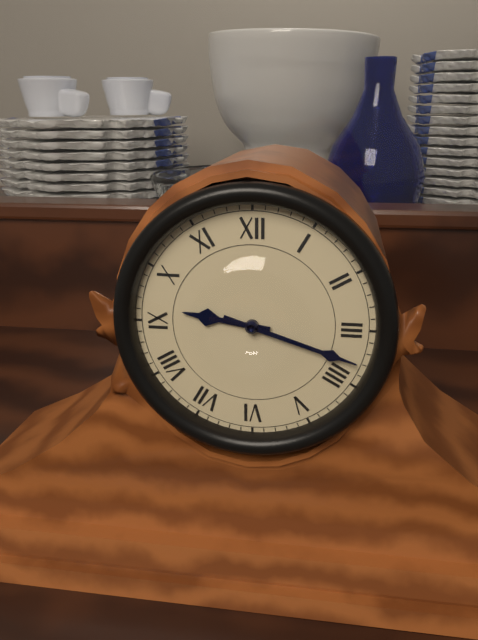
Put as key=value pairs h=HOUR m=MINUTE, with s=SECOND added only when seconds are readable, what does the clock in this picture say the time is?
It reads h=9 m=18
